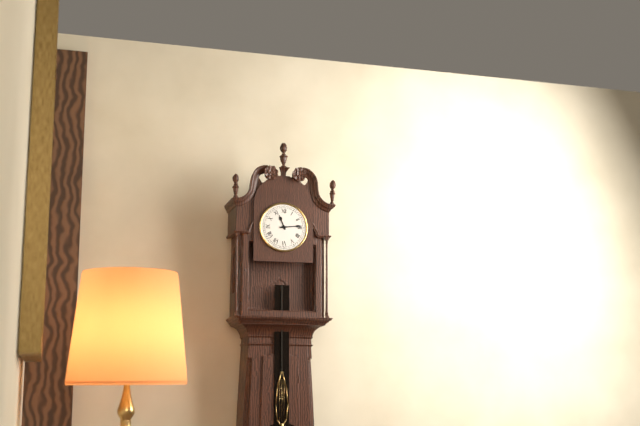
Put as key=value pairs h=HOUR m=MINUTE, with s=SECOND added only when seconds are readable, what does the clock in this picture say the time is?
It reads h=11 m=14
